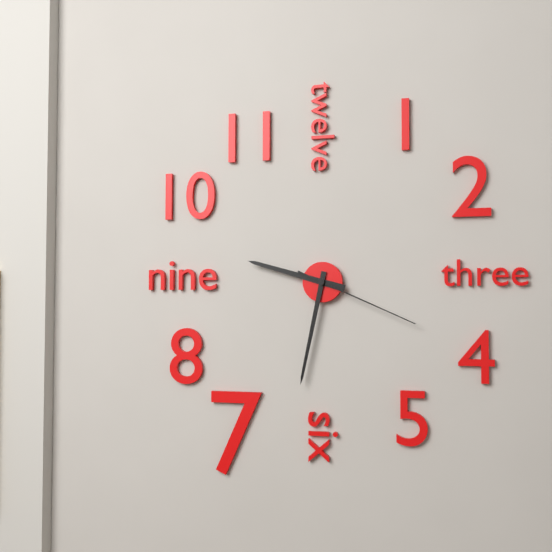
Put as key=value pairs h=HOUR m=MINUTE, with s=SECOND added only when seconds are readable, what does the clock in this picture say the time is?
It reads h=9 m=32 s=19
